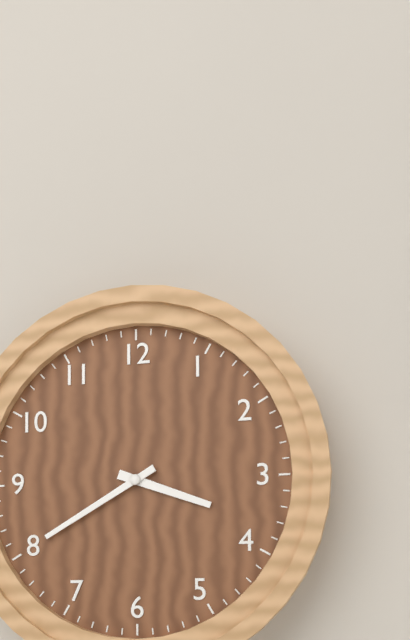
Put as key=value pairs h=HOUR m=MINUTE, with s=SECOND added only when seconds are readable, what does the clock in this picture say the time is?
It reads h=3 m=40
